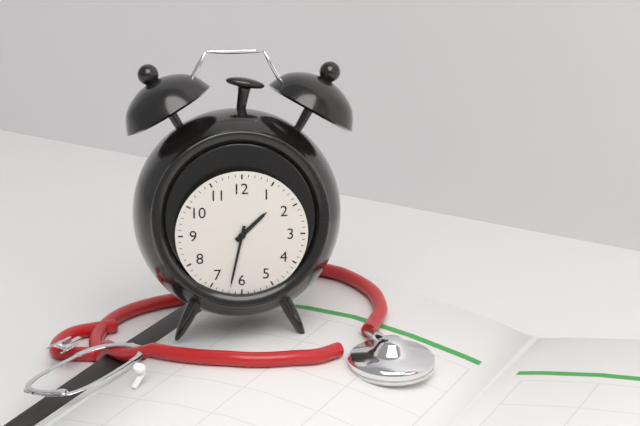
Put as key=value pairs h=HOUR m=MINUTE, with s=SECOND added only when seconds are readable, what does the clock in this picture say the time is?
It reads h=1 m=32
